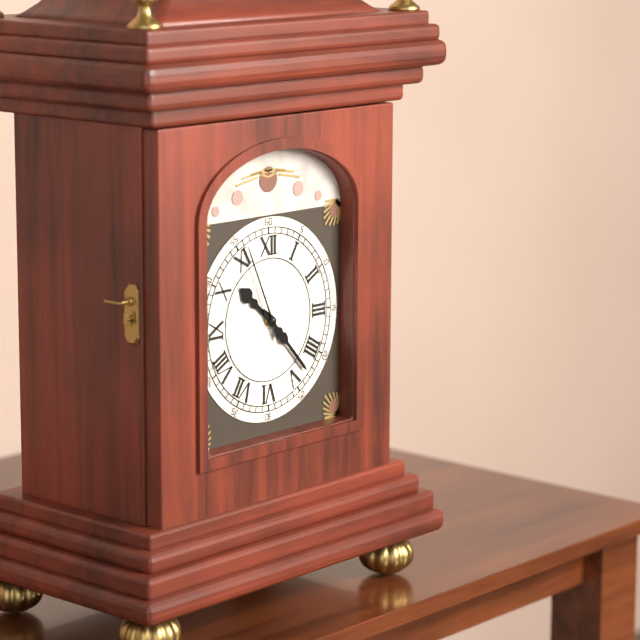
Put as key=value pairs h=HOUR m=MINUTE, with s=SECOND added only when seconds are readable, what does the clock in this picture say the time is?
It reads h=10 m=23 s=56
